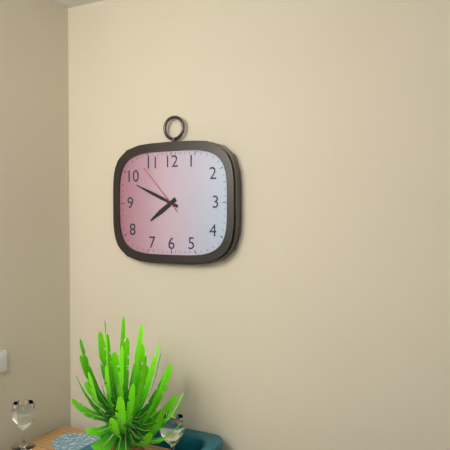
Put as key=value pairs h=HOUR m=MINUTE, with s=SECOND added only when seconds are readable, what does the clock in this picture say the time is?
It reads h=7 m=49 s=53
